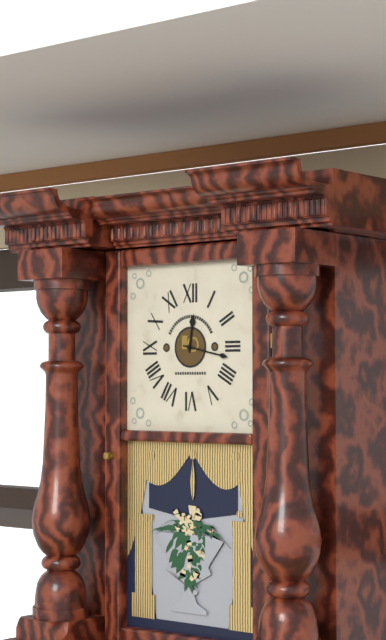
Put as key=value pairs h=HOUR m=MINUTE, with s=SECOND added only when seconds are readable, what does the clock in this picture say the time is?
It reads h=12 m=17
